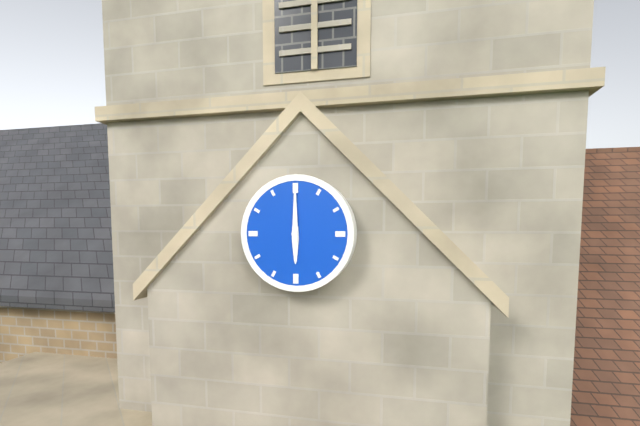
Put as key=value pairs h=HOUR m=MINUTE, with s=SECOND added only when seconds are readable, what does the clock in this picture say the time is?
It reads h=6 m=0
